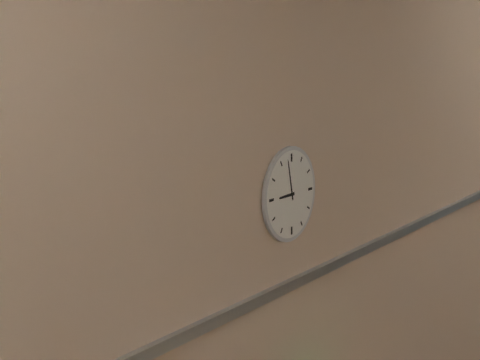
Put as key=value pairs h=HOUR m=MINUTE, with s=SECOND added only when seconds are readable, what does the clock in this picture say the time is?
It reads h=8 m=58
